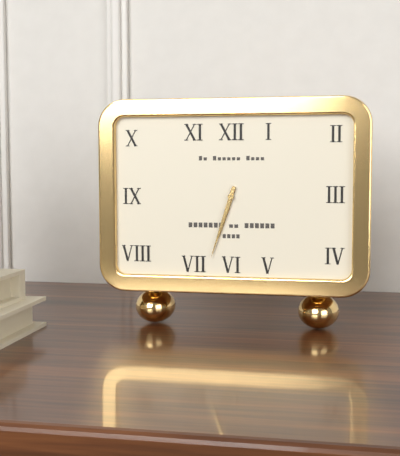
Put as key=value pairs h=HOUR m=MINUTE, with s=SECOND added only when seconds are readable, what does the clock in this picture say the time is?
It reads h=6 m=33
